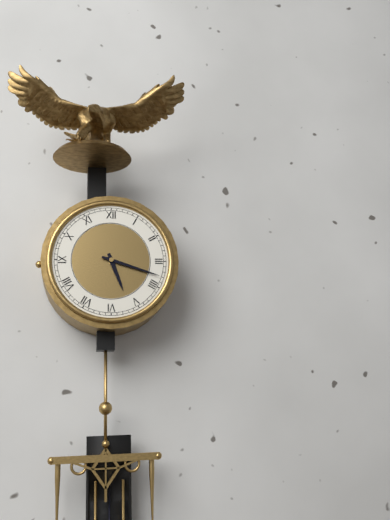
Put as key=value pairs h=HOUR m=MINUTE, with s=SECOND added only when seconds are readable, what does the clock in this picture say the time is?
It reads h=5 m=18
